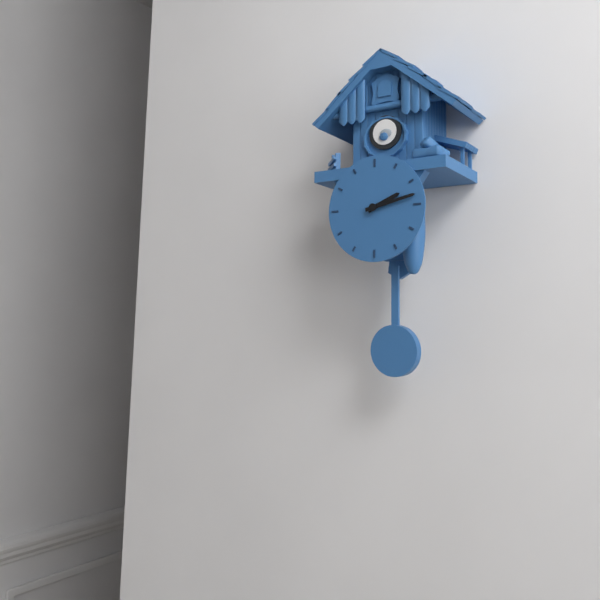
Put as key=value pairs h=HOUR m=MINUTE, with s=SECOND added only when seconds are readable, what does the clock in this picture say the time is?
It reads h=2 m=13
